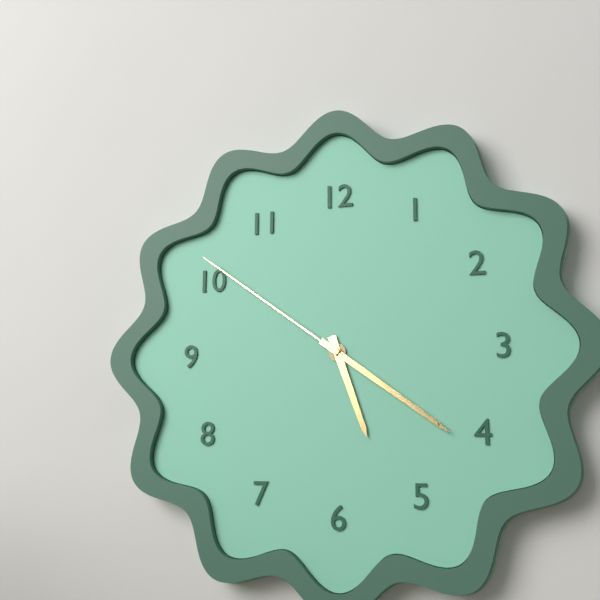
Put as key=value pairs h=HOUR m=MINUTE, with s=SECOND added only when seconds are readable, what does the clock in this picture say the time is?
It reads h=5 m=21 s=51
